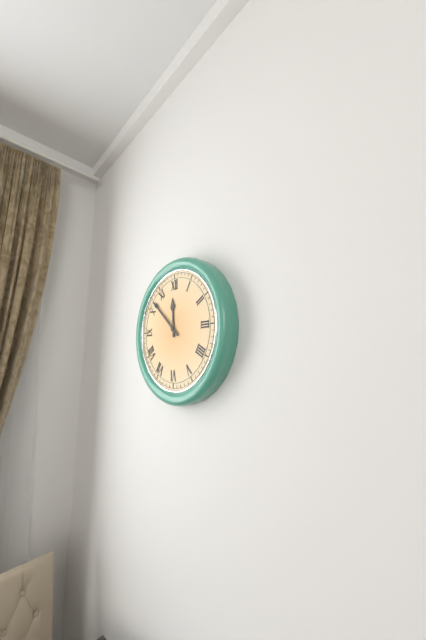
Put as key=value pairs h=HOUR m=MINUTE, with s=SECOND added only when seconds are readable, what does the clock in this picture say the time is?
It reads h=11 m=52
